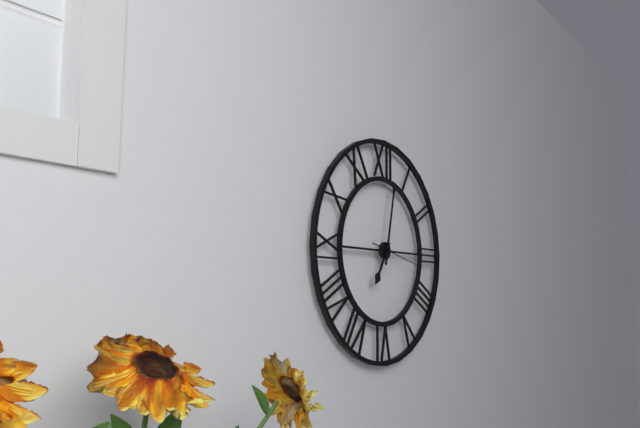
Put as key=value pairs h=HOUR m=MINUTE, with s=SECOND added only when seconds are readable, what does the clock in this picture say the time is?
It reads h=7 m=2
